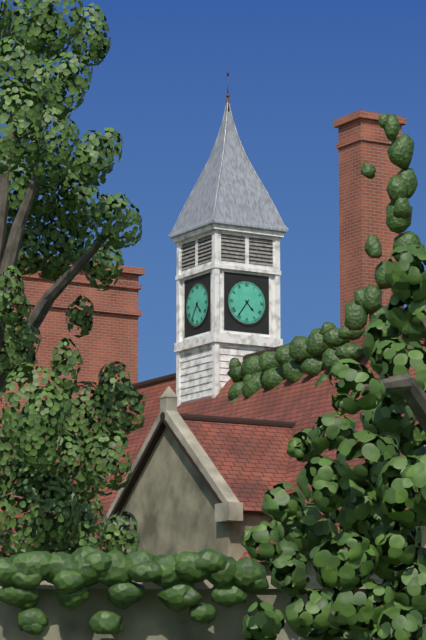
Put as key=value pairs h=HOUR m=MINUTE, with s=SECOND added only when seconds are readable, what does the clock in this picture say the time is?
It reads h=4 m=36
